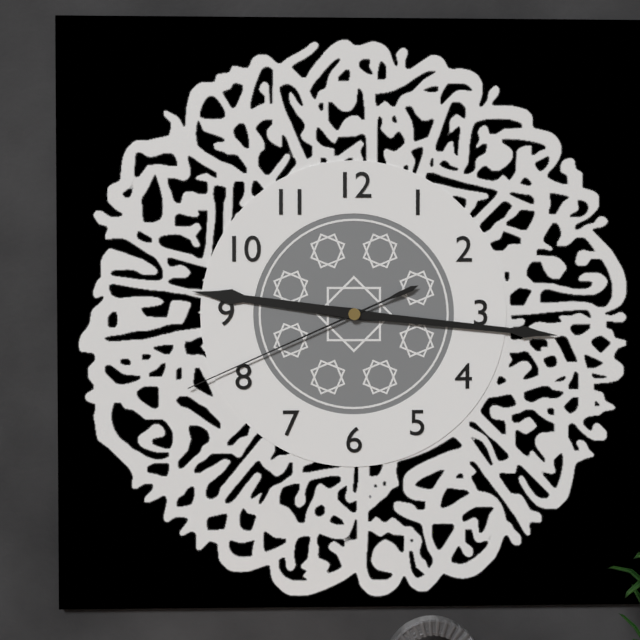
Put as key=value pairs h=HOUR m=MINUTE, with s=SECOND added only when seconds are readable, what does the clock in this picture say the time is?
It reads h=9 m=16 s=41
